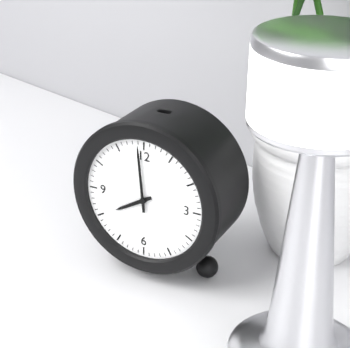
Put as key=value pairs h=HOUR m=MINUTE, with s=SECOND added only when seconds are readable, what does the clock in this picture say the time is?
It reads h=7 m=59
